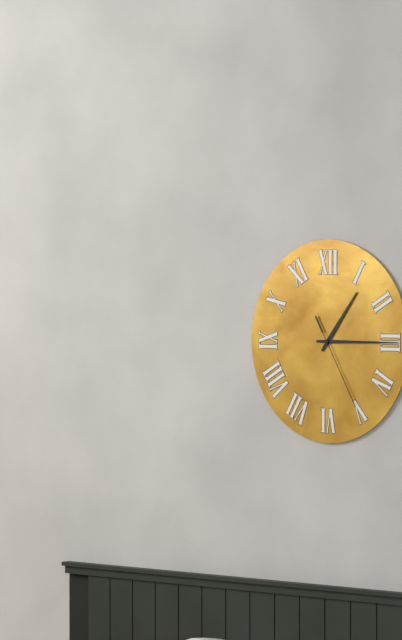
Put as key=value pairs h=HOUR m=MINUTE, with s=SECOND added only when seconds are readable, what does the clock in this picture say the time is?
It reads h=1 m=15 s=25
